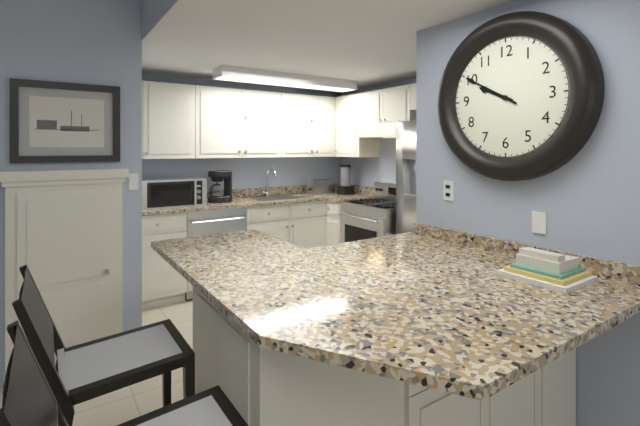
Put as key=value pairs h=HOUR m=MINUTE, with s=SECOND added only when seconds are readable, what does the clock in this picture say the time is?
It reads h=9 m=50
